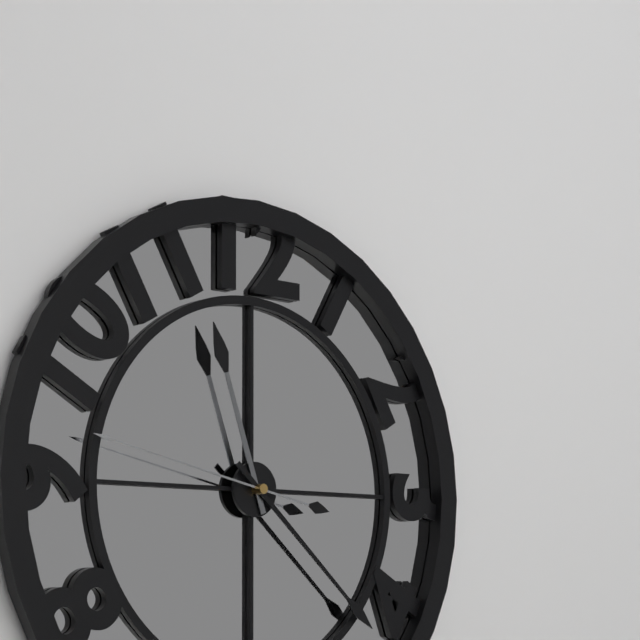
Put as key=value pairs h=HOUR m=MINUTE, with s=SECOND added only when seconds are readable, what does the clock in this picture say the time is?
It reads h=11 m=22 s=47
